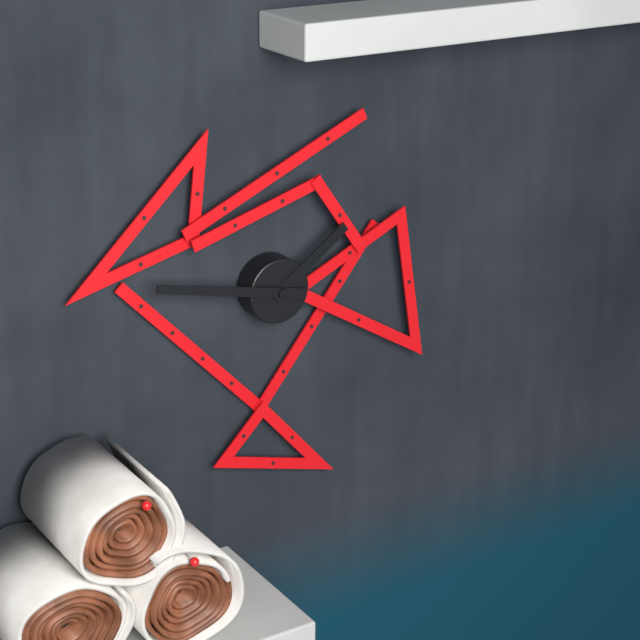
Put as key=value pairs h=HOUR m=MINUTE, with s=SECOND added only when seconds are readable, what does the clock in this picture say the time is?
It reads h=1 m=47
